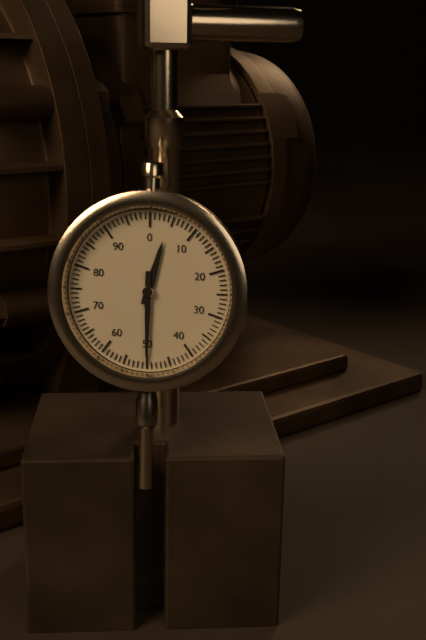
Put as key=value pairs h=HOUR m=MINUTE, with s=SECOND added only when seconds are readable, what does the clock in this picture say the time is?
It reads h=12 m=30
